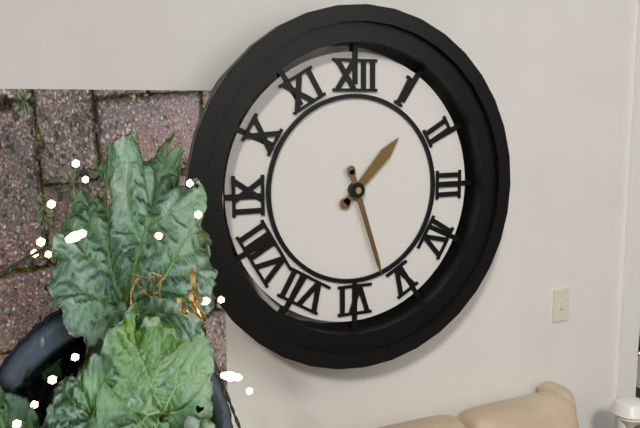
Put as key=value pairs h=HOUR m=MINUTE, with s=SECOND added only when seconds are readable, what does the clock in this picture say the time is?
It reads h=1 m=27
